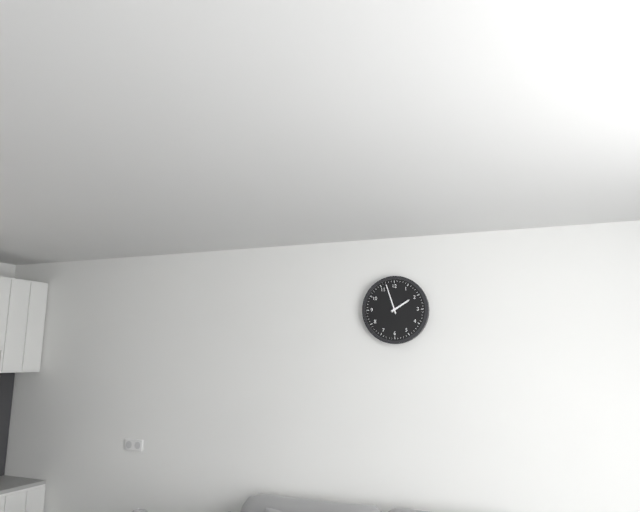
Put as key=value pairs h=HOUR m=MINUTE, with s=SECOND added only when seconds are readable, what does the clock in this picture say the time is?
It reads h=1 m=57
